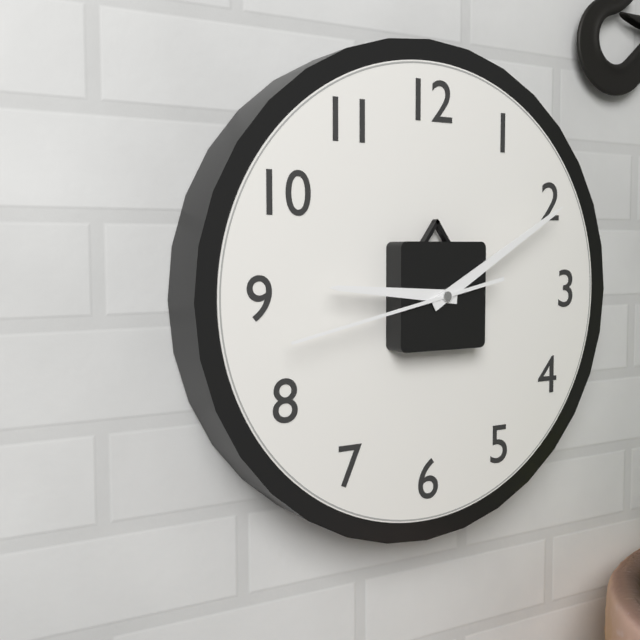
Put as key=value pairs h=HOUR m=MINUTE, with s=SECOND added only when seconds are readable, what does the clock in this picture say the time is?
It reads h=9 m=10 s=43
